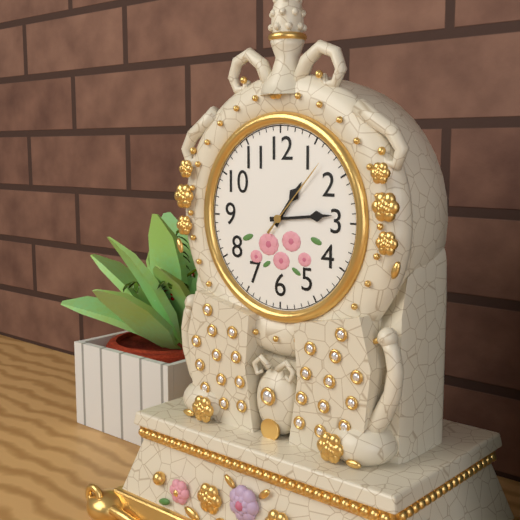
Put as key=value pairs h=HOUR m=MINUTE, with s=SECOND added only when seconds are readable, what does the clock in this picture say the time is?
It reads h=1 m=14 s=7
